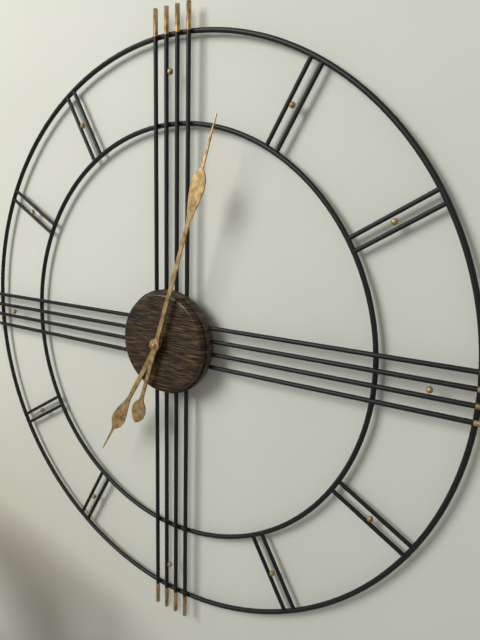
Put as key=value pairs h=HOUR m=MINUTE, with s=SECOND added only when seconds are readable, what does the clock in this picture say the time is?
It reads h=7 m=3
